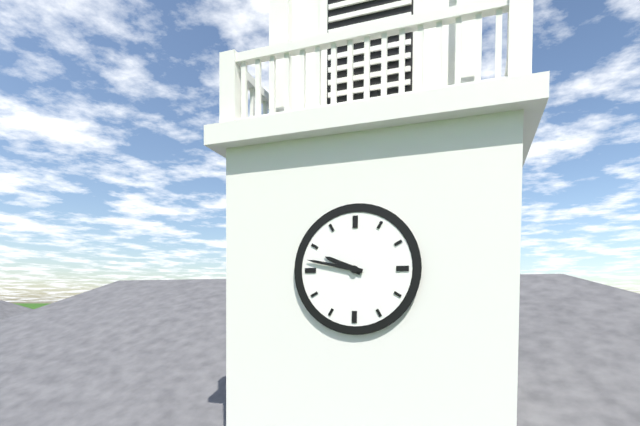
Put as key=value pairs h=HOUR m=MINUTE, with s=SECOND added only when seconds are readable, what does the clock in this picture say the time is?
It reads h=9 m=47
